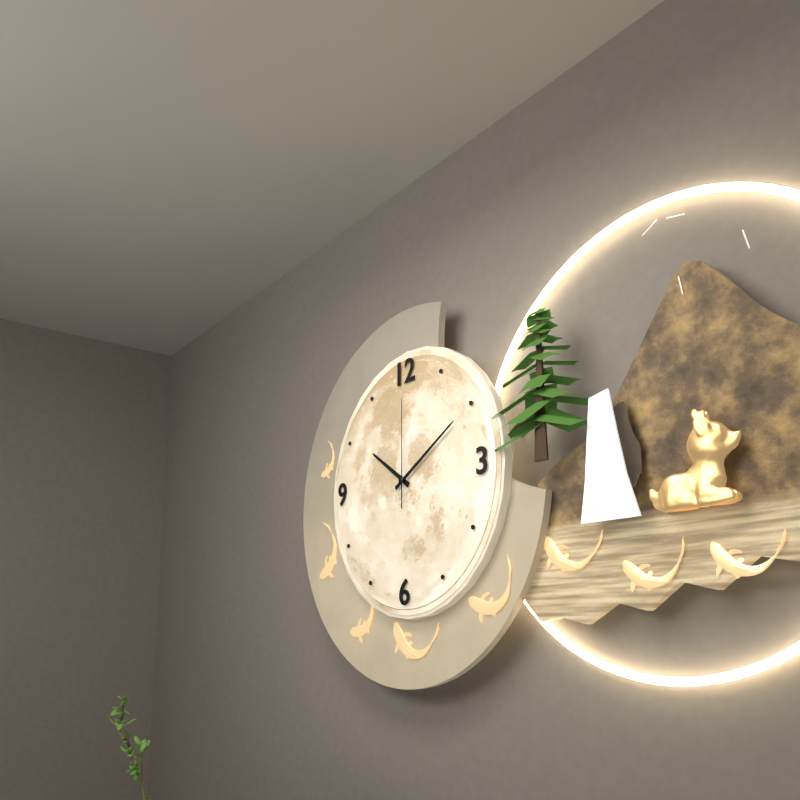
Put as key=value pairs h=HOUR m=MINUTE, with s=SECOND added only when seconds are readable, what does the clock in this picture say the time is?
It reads h=10 m=10 s=0
